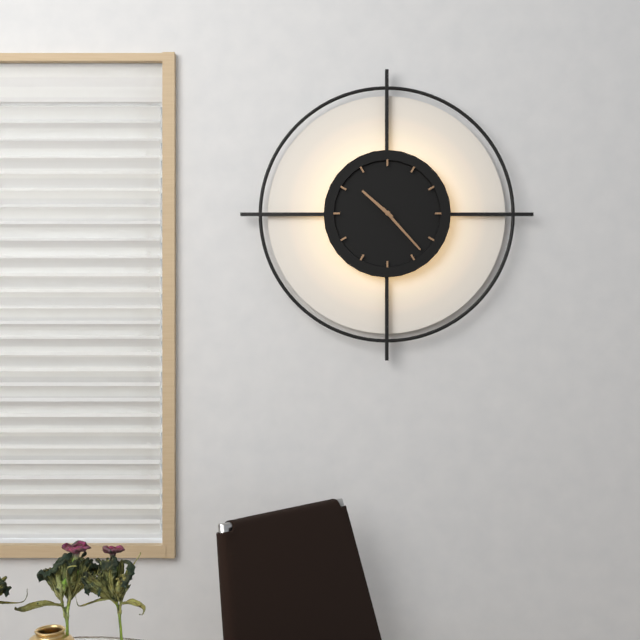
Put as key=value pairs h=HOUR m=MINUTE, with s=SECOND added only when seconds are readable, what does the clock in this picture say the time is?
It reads h=10 m=23
